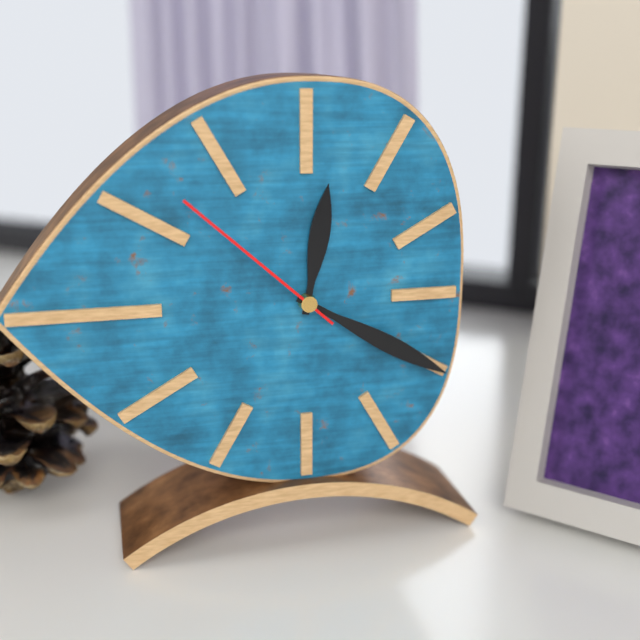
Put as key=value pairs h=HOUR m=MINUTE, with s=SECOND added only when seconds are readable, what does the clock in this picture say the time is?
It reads h=12 m=20 s=52
